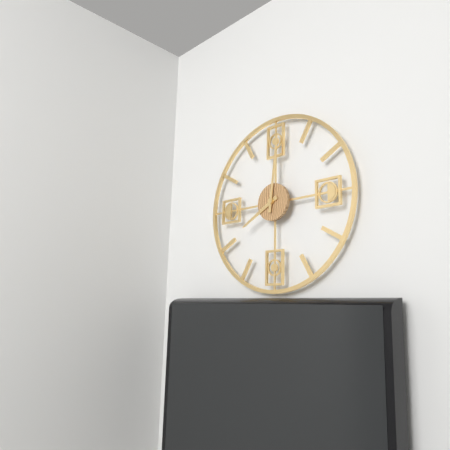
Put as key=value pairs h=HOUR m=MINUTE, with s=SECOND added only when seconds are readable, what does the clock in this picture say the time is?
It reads h=8 m=1
